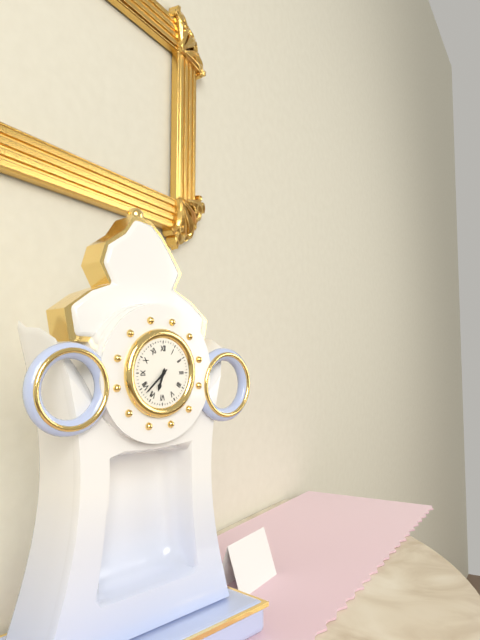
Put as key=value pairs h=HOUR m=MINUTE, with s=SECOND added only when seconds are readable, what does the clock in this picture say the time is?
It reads h=6 m=38
